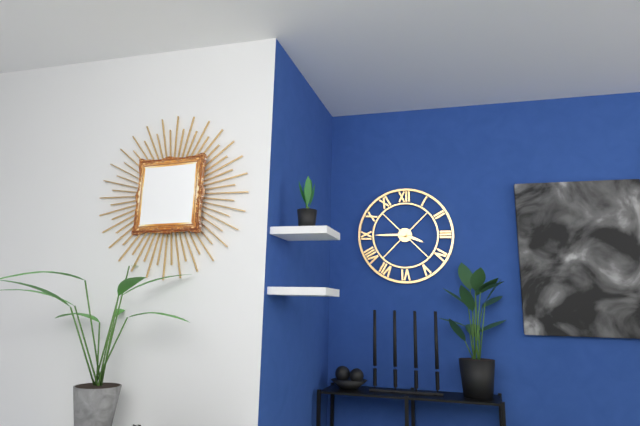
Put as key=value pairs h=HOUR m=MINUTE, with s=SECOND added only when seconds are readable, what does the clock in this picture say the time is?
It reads h=3 m=45
